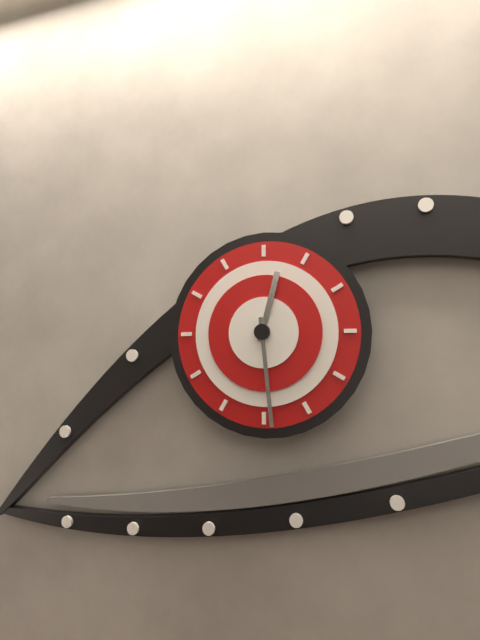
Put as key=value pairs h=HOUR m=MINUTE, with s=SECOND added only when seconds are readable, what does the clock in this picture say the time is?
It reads h=12 m=29
